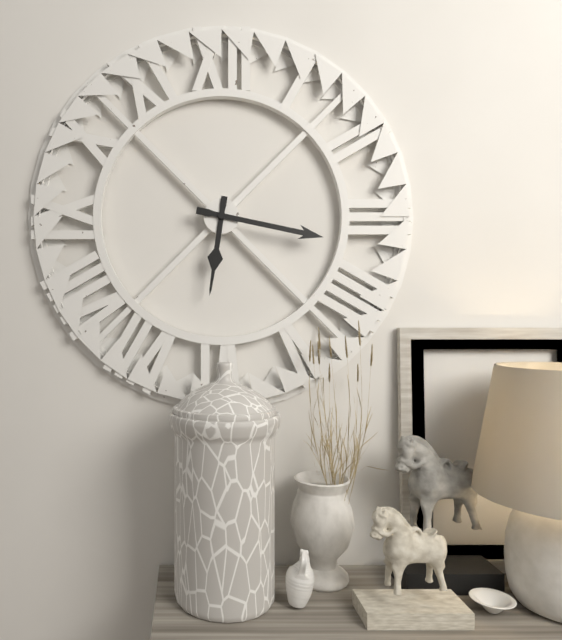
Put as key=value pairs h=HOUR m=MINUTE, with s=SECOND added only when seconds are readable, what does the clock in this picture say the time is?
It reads h=6 m=17
